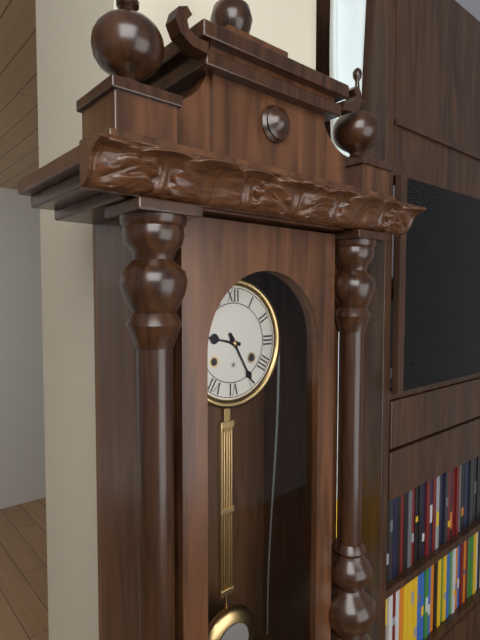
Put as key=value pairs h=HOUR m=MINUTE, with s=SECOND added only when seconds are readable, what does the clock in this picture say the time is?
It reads h=9 m=25
